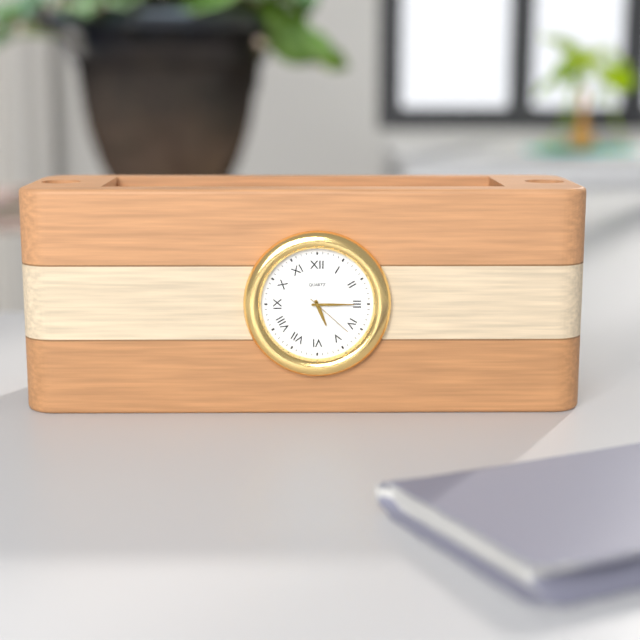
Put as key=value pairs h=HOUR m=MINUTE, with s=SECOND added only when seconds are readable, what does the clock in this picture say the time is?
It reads h=5 m=15 s=22
